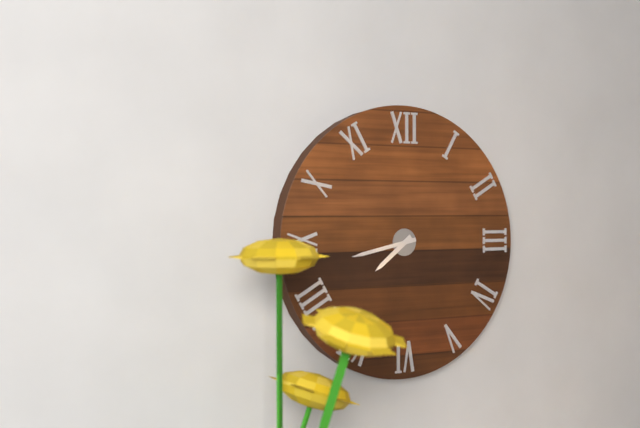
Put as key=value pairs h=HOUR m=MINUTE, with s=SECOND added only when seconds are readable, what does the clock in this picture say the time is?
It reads h=7 m=43
